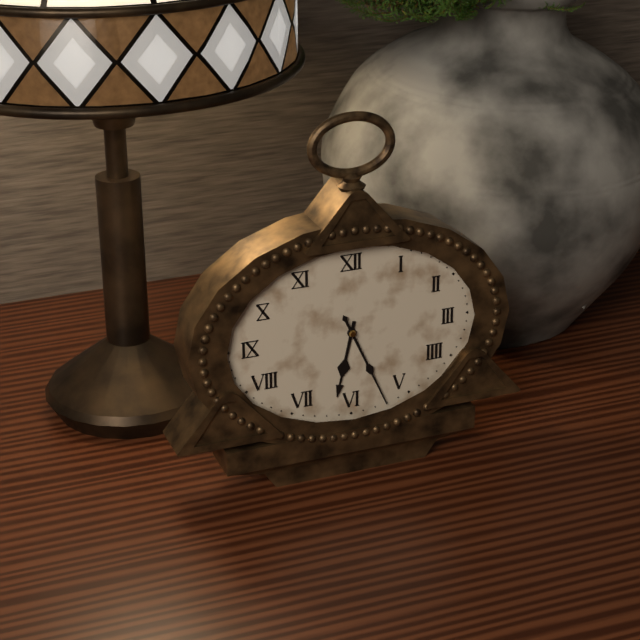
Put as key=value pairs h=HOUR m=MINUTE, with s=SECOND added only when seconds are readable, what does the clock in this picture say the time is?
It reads h=6 m=26
